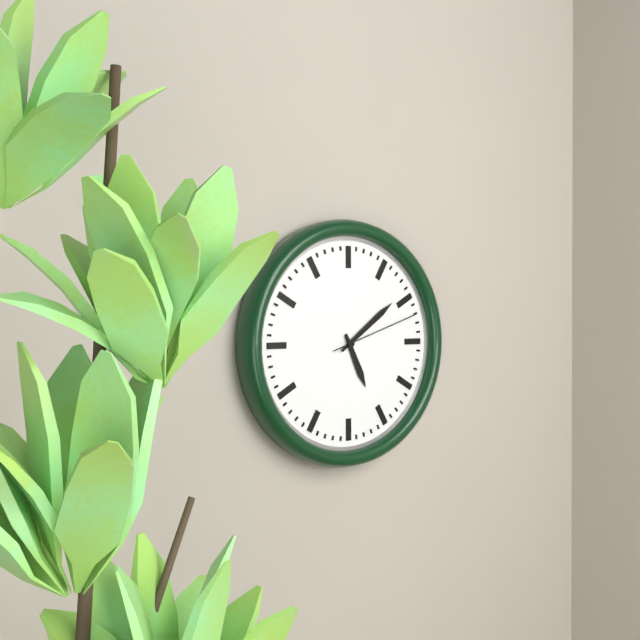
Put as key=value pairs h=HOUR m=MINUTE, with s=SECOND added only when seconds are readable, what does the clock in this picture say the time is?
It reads h=5 m=9 s=12
